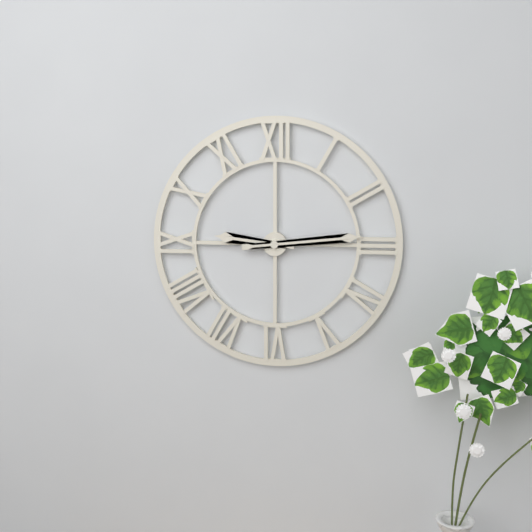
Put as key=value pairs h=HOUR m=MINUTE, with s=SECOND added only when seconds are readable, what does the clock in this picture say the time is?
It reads h=9 m=14
